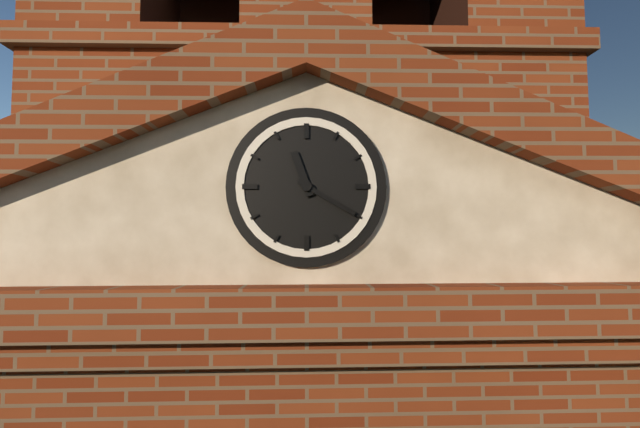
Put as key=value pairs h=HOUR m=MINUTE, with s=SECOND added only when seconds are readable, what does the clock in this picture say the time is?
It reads h=11 m=20
